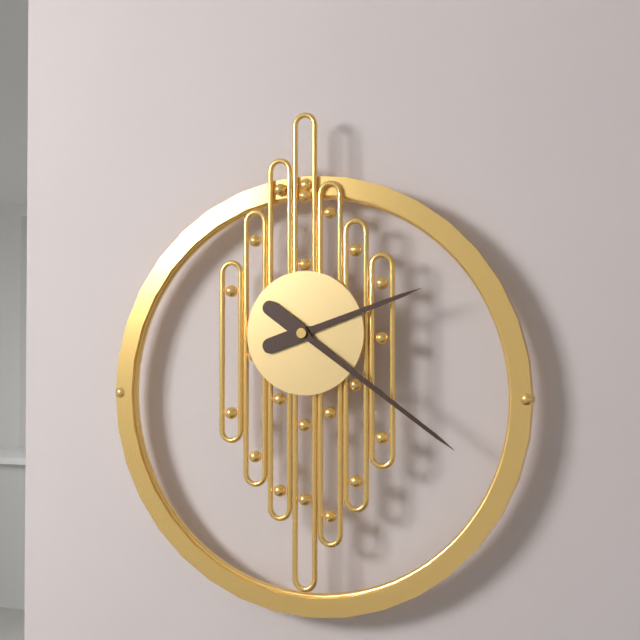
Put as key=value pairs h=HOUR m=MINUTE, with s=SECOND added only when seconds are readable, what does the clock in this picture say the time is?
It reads h=2 m=21
